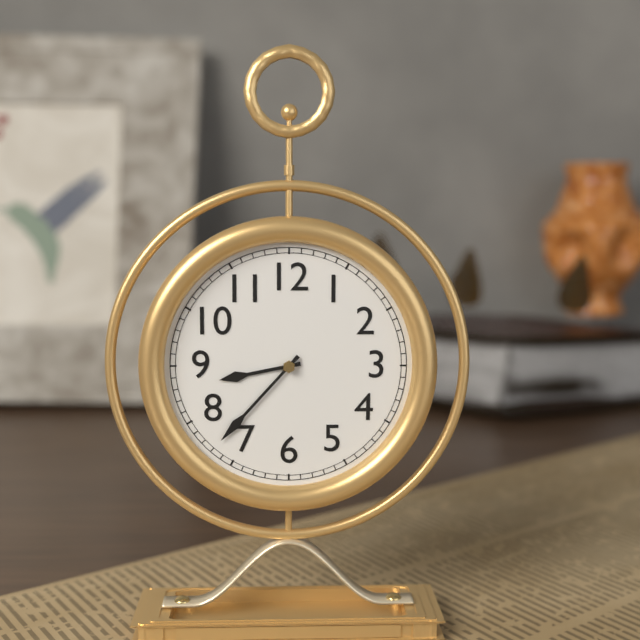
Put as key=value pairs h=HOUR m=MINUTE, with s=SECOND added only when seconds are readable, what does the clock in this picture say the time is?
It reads h=8 m=37
